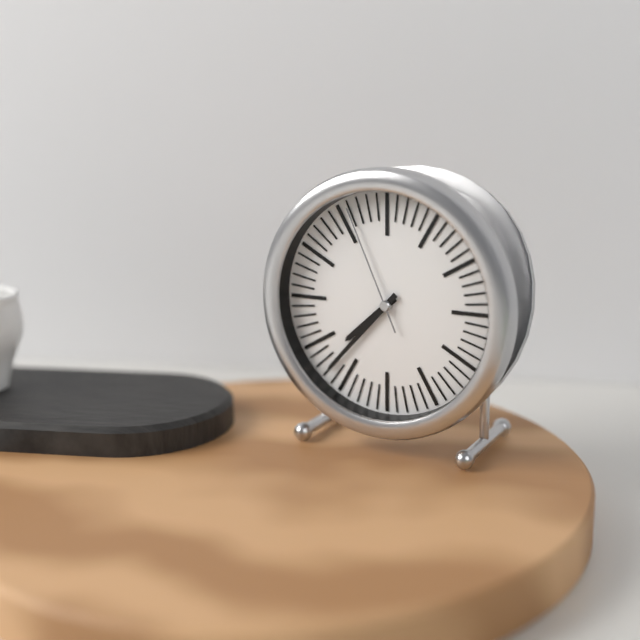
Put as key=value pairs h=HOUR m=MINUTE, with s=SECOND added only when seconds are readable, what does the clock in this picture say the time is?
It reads h=7 m=37 s=56
